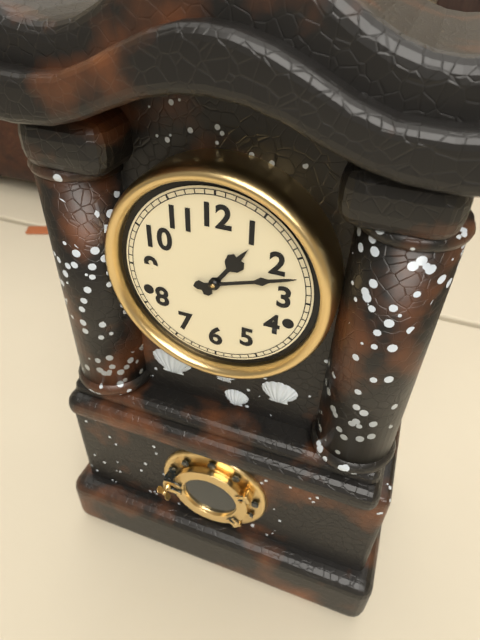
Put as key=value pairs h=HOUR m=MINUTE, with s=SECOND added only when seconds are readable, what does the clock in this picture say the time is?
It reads h=1 m=12
